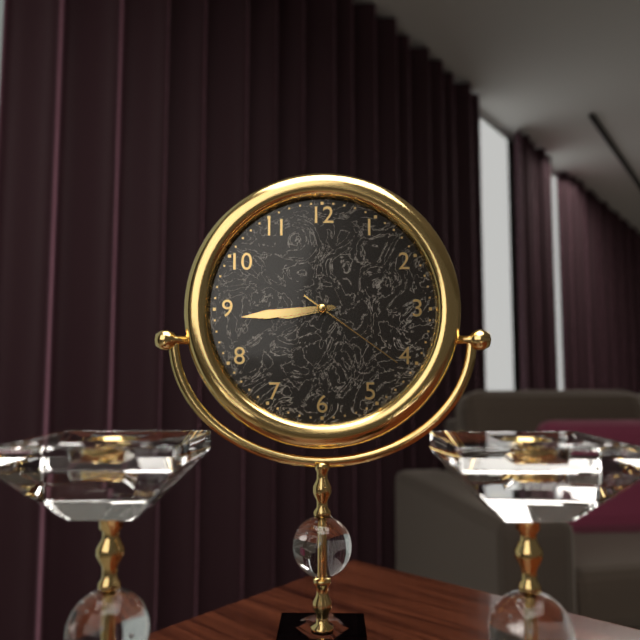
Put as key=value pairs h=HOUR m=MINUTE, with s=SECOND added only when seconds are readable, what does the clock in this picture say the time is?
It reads h=8 m=44 s=21
